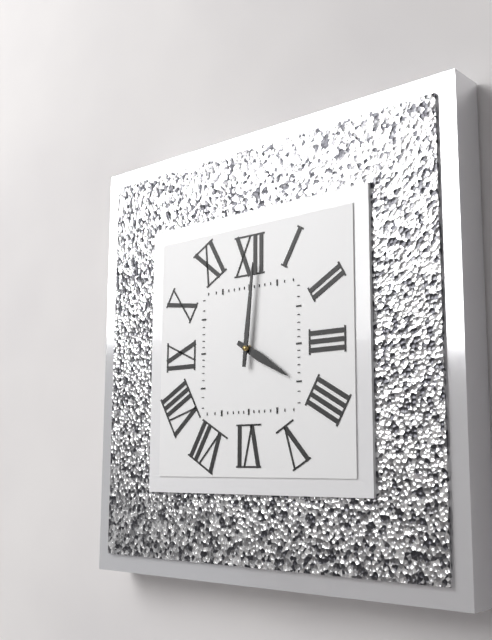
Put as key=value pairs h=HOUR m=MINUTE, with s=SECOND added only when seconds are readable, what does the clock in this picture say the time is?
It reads h=4 m=1
